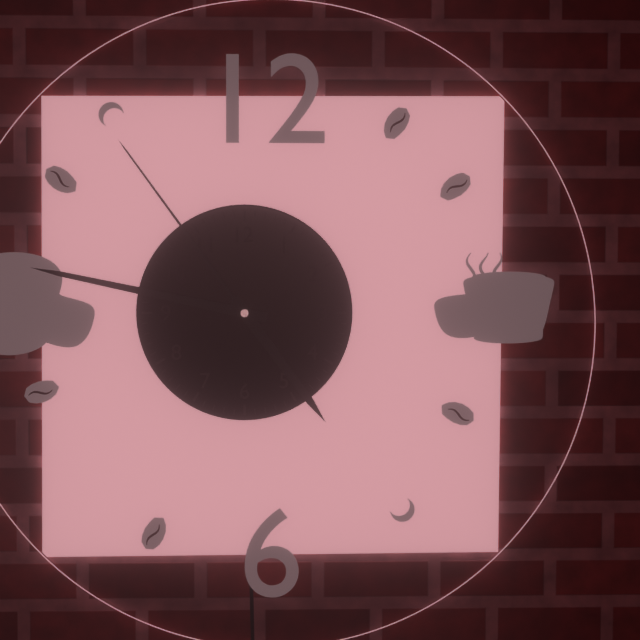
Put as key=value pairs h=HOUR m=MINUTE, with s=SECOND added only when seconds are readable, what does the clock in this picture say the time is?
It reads h=4 m=47 s=54
